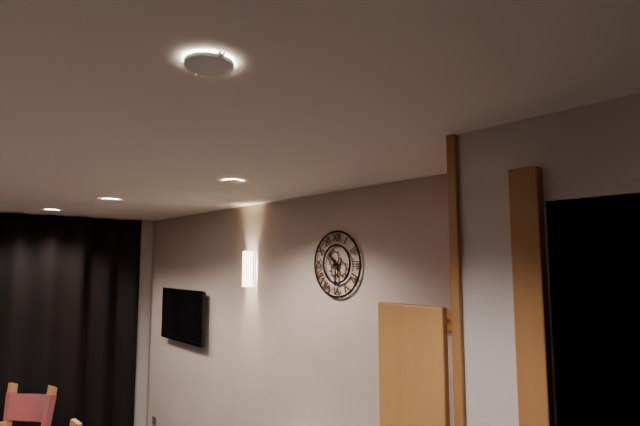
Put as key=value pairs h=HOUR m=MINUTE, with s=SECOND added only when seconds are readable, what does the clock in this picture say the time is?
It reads h=10 m=30
